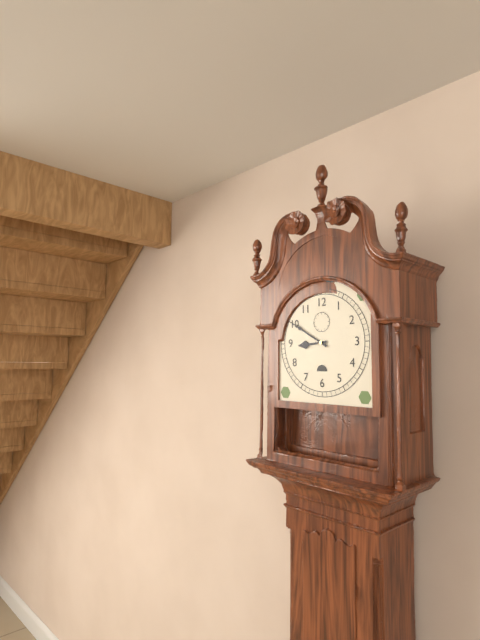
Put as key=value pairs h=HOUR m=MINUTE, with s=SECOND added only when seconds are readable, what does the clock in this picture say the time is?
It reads h=8 m=50
